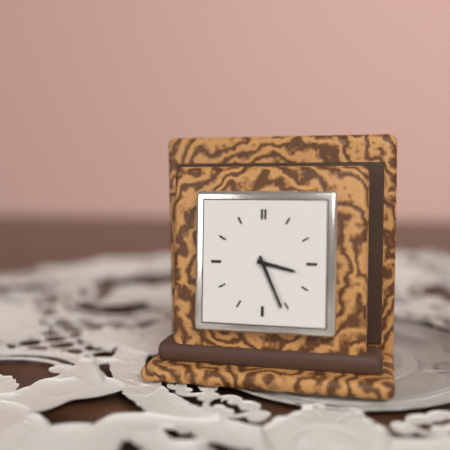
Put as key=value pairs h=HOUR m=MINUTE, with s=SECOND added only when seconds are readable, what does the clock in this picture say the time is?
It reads h=3 m=26
